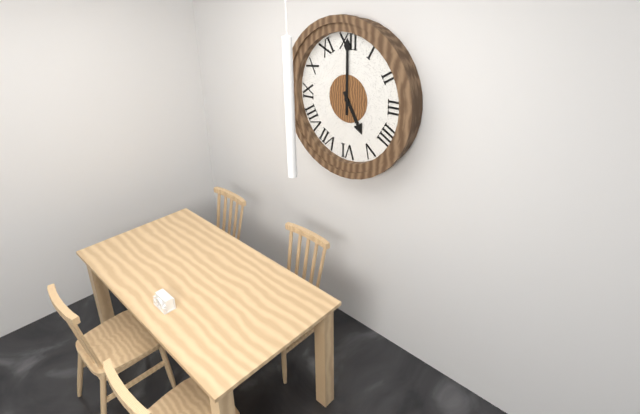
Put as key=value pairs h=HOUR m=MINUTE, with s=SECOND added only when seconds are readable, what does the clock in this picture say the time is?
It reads h=5 m=0
